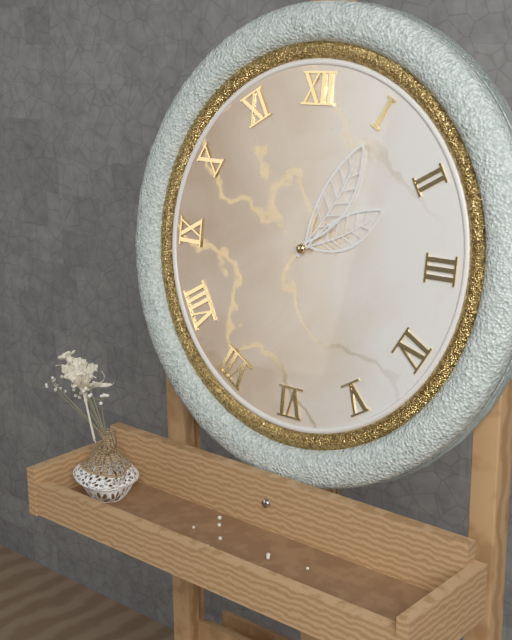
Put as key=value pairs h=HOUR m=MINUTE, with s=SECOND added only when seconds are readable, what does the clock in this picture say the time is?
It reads h=2 m=5
